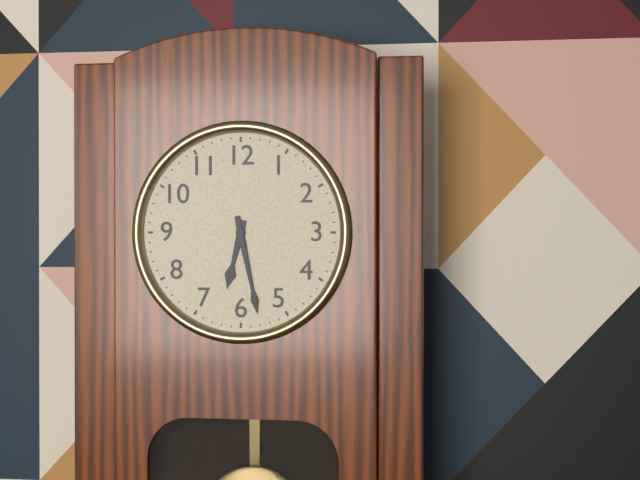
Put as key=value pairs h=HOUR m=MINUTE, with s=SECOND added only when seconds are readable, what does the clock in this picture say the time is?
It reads h=6 m=28
